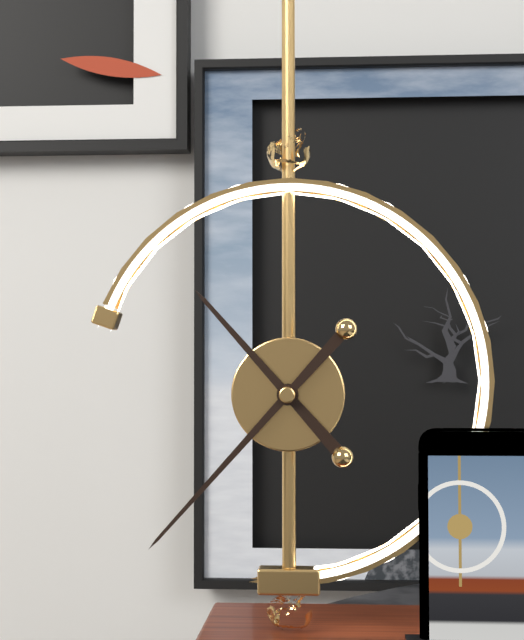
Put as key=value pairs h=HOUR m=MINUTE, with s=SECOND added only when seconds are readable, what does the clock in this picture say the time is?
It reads h=10 m=37
